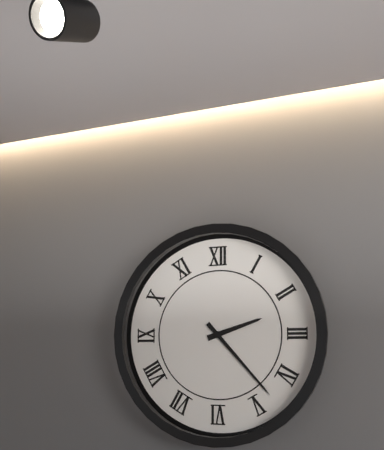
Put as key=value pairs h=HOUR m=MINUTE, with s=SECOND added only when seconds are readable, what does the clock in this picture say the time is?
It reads h=2 m=23
